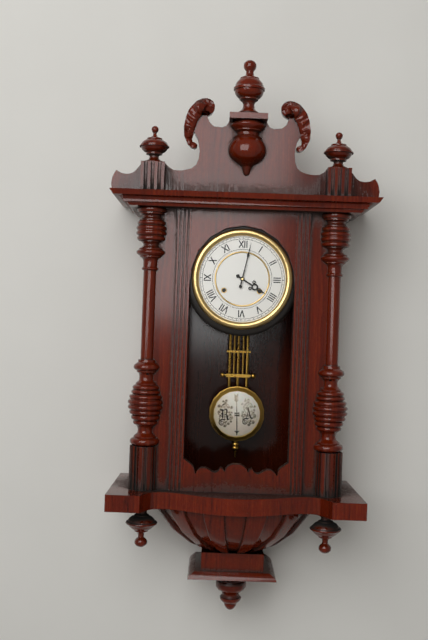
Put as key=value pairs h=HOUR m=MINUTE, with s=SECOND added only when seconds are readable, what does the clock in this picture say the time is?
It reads h=4 m=2
